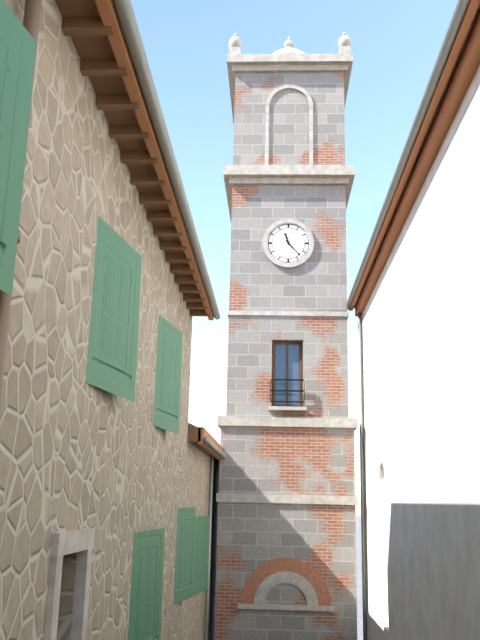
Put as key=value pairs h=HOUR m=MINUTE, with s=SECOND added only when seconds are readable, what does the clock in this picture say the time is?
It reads h=11 m=23
